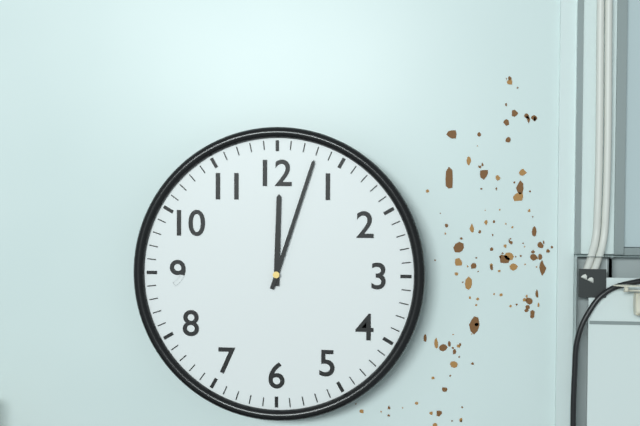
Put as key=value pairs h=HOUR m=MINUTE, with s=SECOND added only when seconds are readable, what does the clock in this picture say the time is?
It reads h=12 m=3
